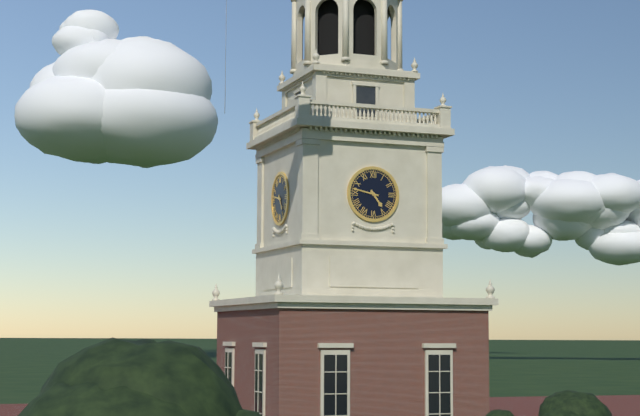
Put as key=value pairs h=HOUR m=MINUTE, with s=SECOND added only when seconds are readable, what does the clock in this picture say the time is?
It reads h=4 m=47
